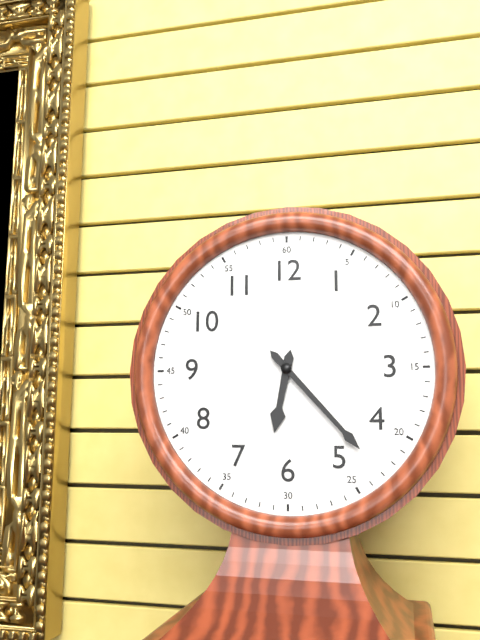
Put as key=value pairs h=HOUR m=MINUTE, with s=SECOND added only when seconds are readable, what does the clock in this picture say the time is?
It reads h=6 m=23
